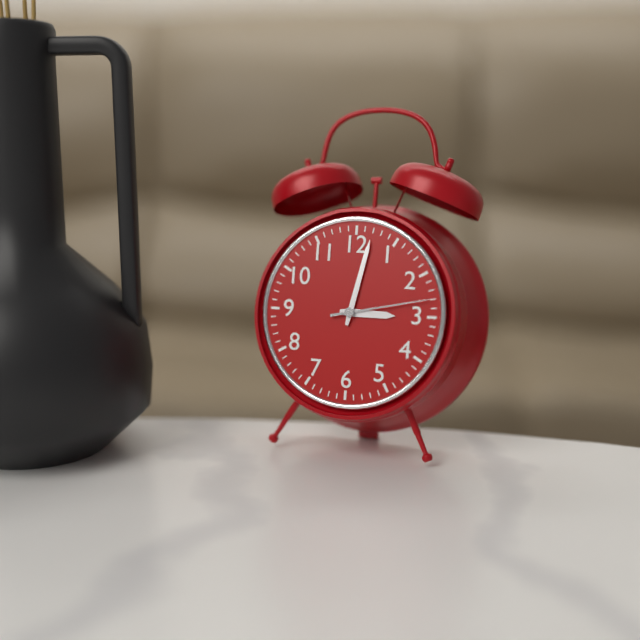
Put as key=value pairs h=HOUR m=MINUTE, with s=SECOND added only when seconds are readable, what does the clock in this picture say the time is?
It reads h=3 m=2 s=13
